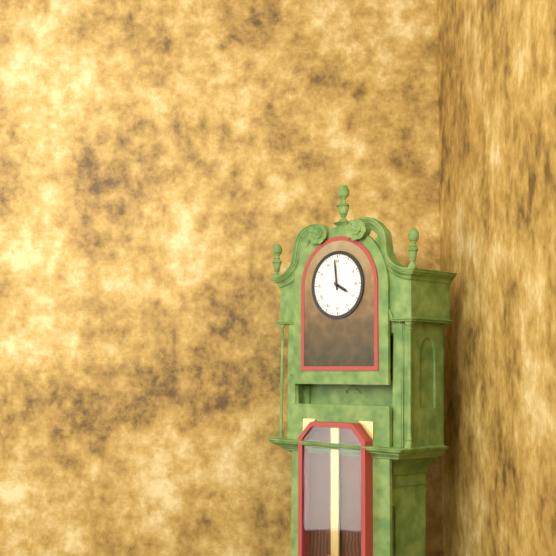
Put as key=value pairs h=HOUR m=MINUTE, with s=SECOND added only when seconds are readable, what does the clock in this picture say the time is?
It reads h=3 m=59
